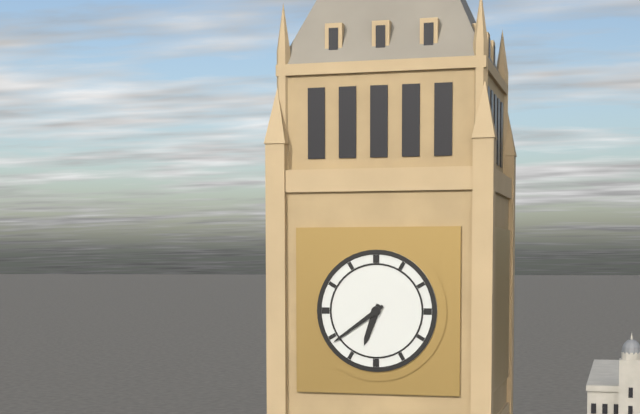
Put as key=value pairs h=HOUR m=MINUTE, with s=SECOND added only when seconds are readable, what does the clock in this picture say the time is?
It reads h=6 m=39
